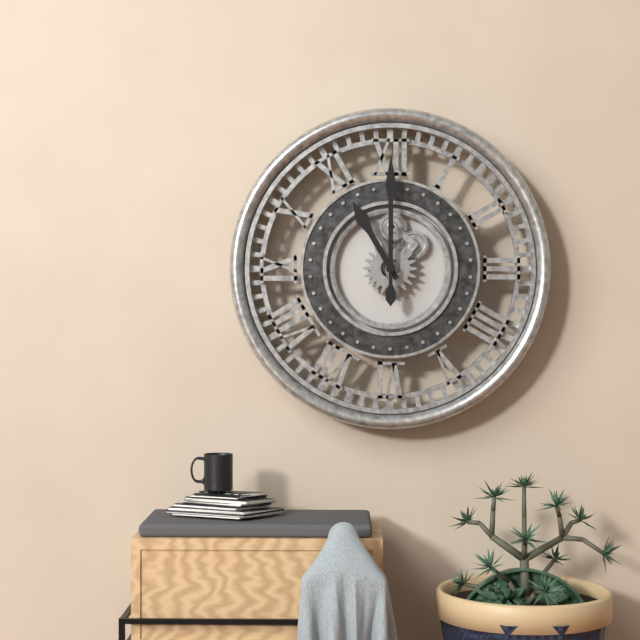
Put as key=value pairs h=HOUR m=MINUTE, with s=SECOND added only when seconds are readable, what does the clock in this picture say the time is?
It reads h=11 m=0
